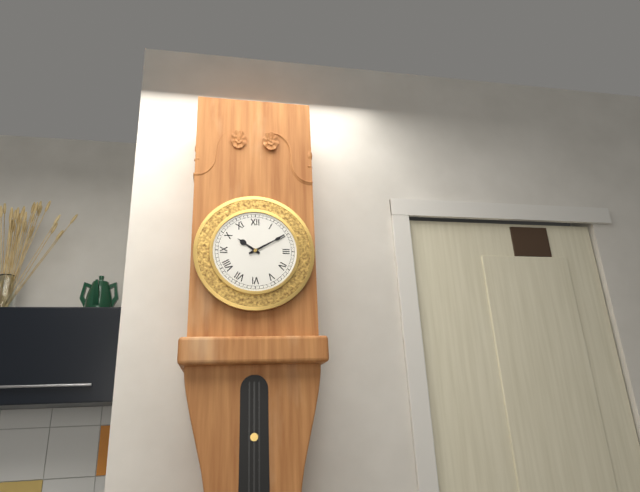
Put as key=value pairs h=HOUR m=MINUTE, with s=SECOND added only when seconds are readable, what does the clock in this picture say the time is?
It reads h=10 m=10
